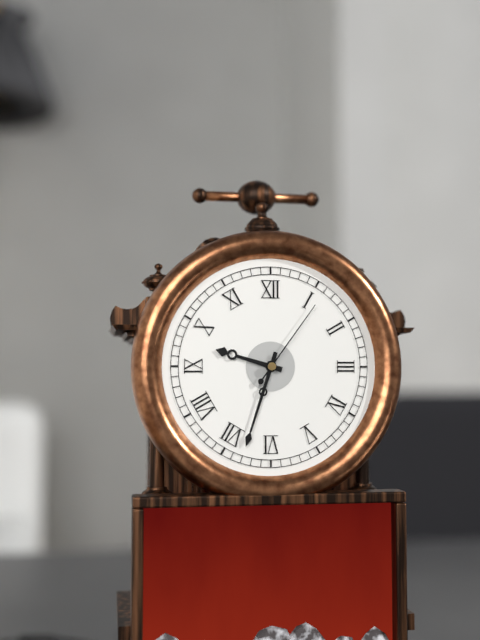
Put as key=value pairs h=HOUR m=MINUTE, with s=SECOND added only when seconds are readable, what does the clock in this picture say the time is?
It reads h=9 m=33 s=6
